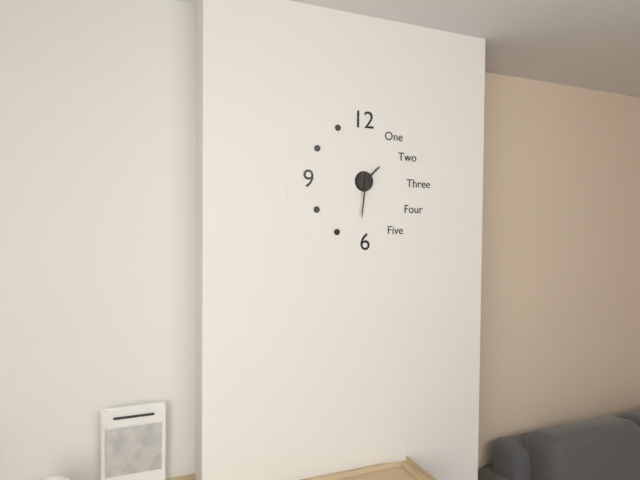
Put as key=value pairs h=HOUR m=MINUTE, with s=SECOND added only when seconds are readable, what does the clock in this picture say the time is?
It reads h=1 m=31
